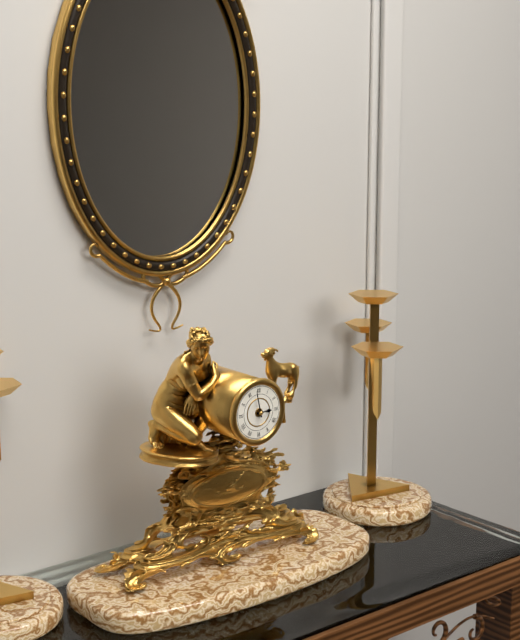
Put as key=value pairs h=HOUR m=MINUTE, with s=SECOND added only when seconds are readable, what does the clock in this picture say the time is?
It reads h=2 m=58
